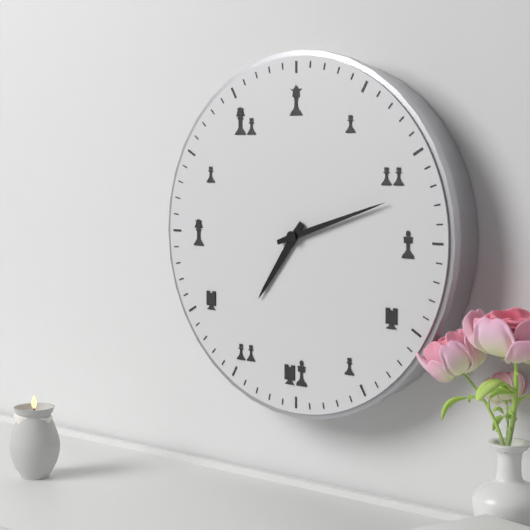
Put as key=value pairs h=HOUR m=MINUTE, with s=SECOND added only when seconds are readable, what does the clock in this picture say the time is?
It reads h=7 m=12
